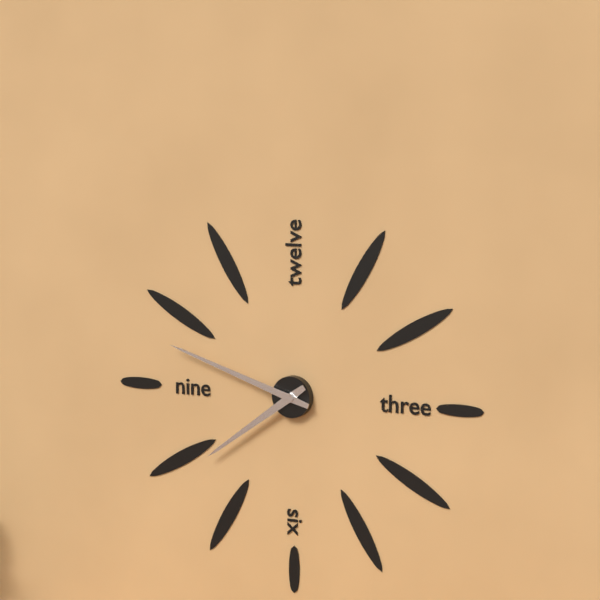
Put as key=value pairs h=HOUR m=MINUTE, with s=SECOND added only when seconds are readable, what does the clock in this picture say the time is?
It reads h=7 m=48
